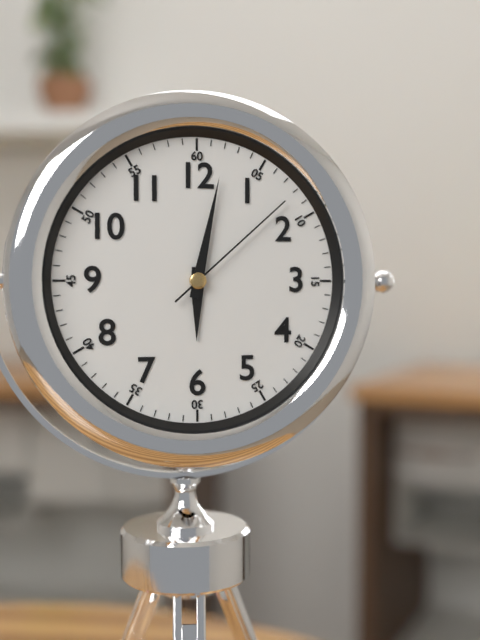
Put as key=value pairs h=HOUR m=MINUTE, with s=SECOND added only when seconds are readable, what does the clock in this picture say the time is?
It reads h=6 m=2 s=8
